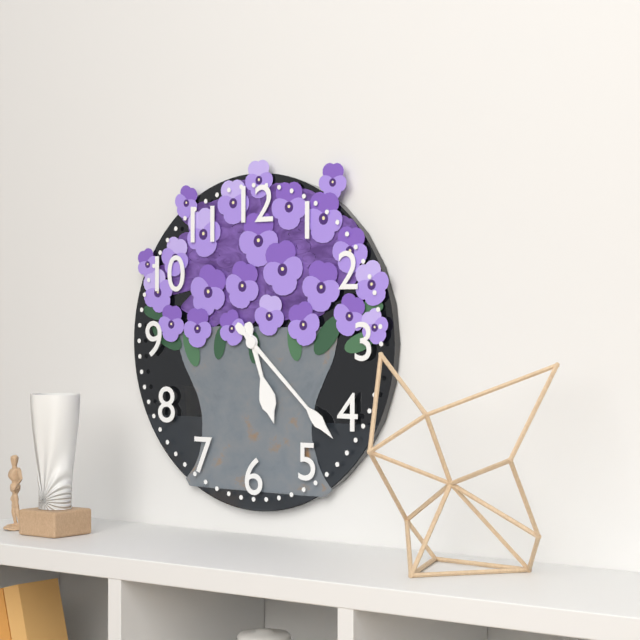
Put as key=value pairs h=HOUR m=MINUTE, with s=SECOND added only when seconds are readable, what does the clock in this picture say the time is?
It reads h=5 m=22
